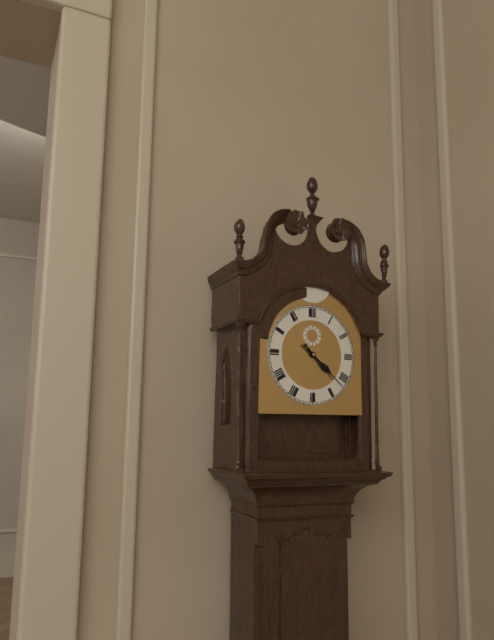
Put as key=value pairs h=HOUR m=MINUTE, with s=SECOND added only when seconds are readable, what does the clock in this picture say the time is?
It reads h=4 m=22
